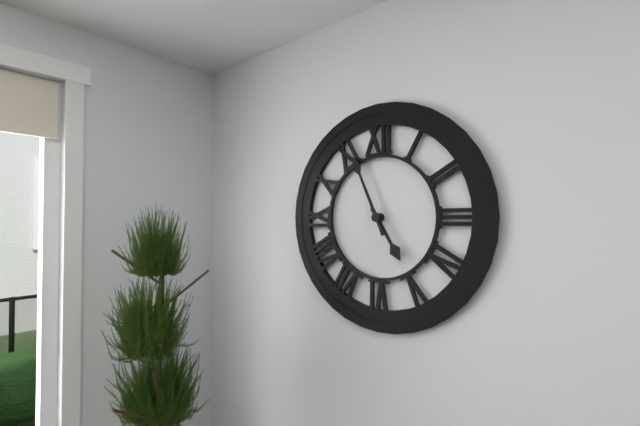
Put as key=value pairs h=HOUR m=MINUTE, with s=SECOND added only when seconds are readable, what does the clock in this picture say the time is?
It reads h=4 m=56
